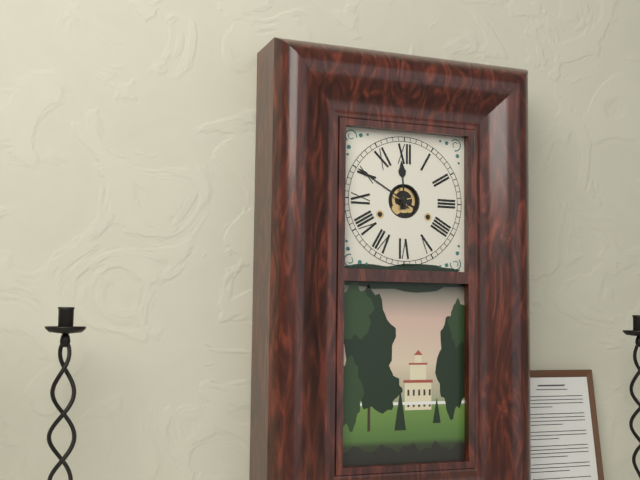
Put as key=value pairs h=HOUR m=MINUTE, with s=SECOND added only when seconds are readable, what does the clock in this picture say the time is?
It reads h=11 m=50
